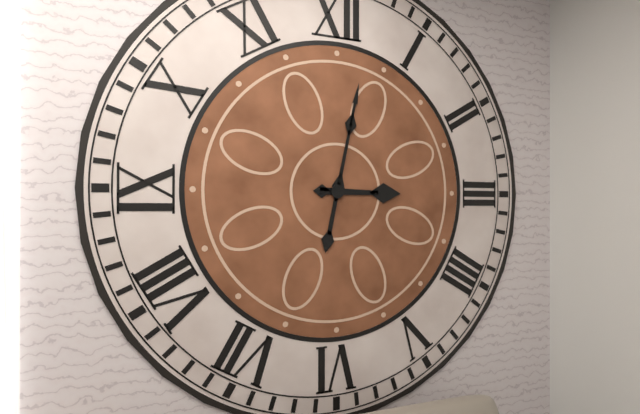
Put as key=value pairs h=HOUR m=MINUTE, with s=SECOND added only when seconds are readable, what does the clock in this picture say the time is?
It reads h=3 m=2
